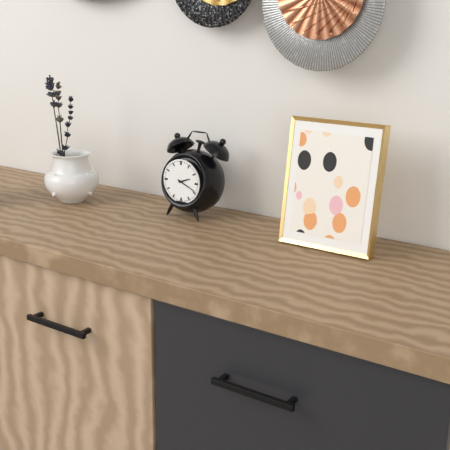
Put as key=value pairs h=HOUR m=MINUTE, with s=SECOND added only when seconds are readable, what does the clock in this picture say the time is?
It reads h=2 m=19
